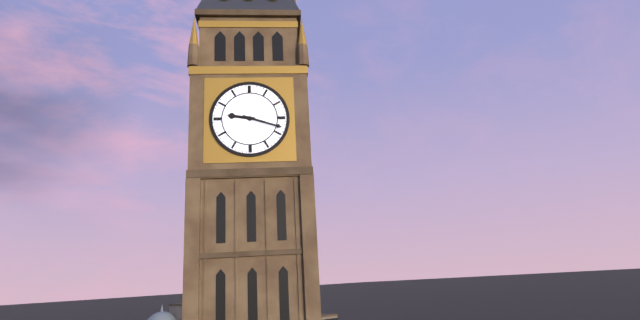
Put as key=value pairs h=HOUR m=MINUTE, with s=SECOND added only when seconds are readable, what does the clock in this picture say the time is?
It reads h=9 m=18
